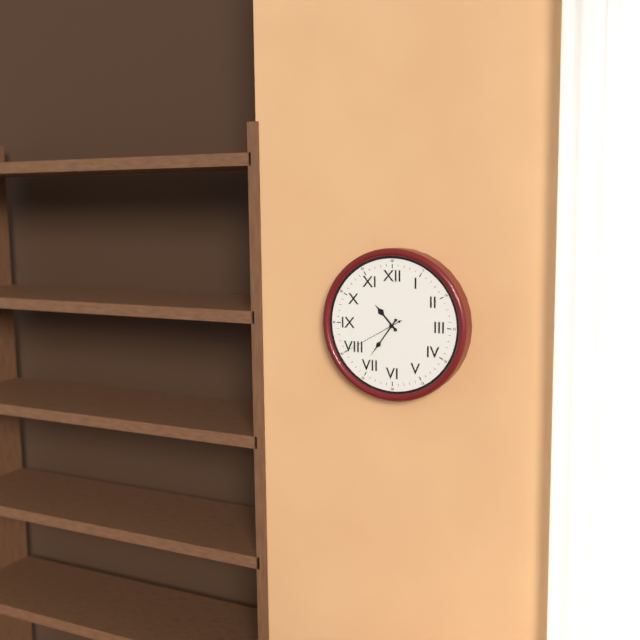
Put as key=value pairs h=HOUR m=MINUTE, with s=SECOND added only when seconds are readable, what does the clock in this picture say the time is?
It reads h=10 m=36 s=40
